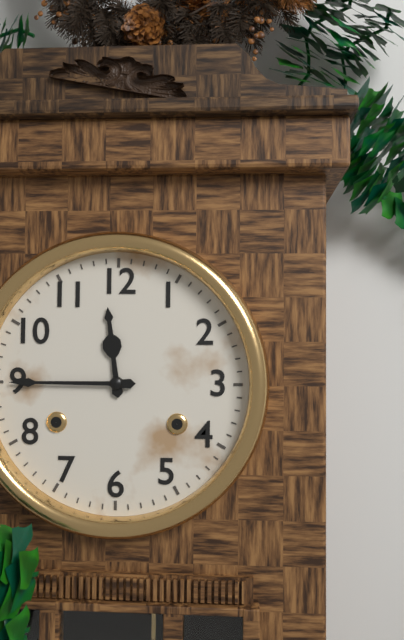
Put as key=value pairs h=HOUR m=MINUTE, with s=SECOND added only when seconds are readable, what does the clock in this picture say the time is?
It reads h=11 m=45
